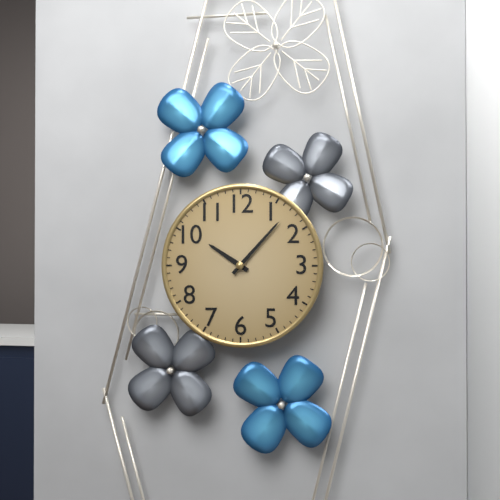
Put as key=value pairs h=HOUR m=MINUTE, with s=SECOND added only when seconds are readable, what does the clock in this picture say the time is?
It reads h=10 m=7
